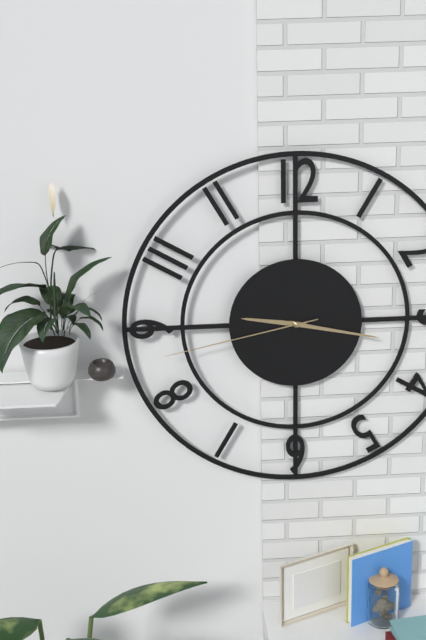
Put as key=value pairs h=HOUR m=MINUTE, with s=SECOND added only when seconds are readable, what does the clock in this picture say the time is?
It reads h=9 m=17 s=43
